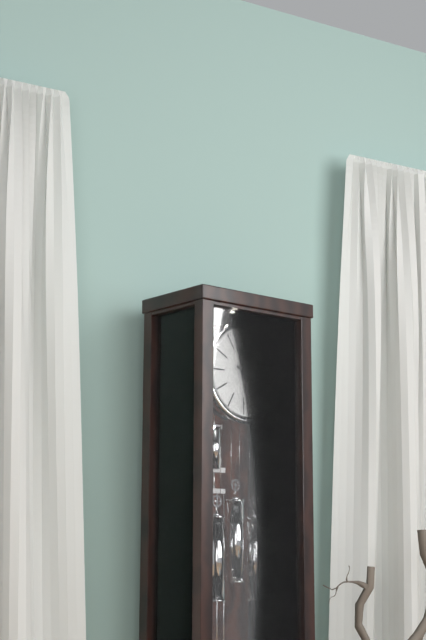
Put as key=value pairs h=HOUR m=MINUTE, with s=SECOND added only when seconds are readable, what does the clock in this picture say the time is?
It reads h=12 m=20
